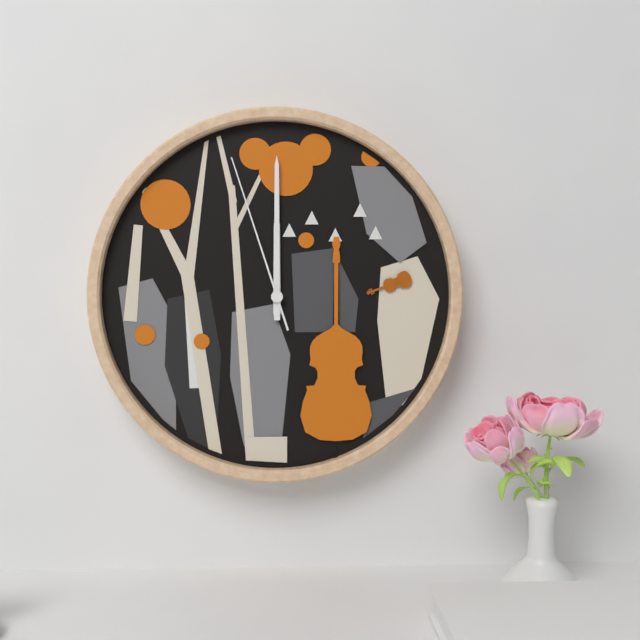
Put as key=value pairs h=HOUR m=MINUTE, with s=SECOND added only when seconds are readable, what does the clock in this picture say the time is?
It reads h=12 m=0 s=57
